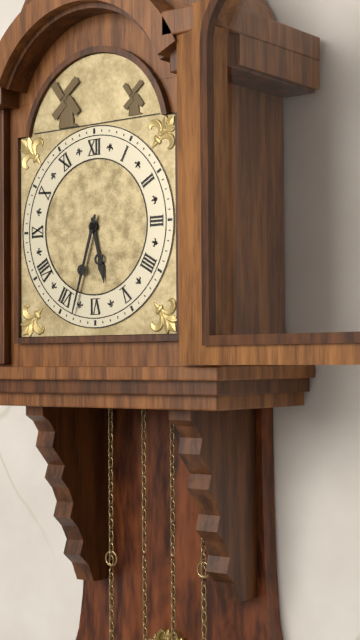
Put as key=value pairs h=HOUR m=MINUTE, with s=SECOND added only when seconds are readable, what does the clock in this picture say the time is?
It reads h=5 m=33
